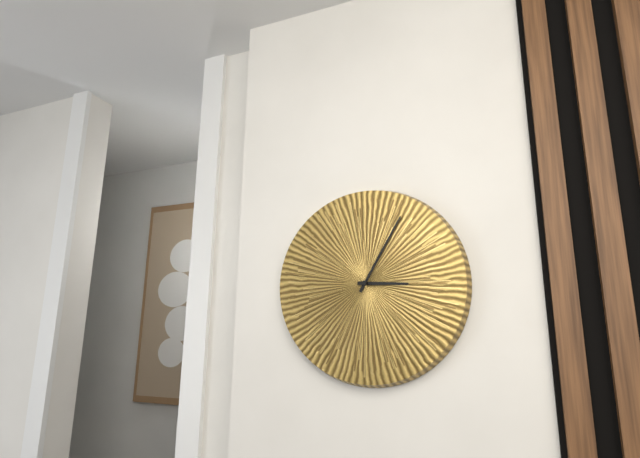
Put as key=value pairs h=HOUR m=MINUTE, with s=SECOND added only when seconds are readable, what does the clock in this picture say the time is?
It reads h=3 m=5
